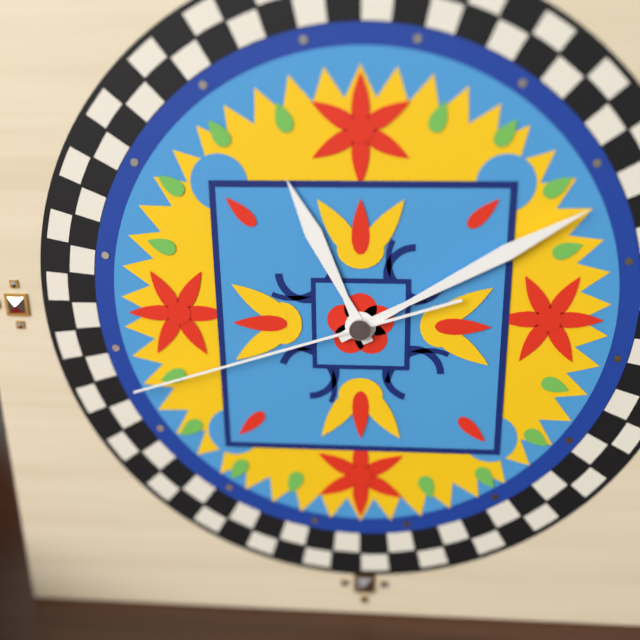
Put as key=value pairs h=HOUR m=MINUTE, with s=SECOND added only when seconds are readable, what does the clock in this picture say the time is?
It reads h=11 m=10 s=42
